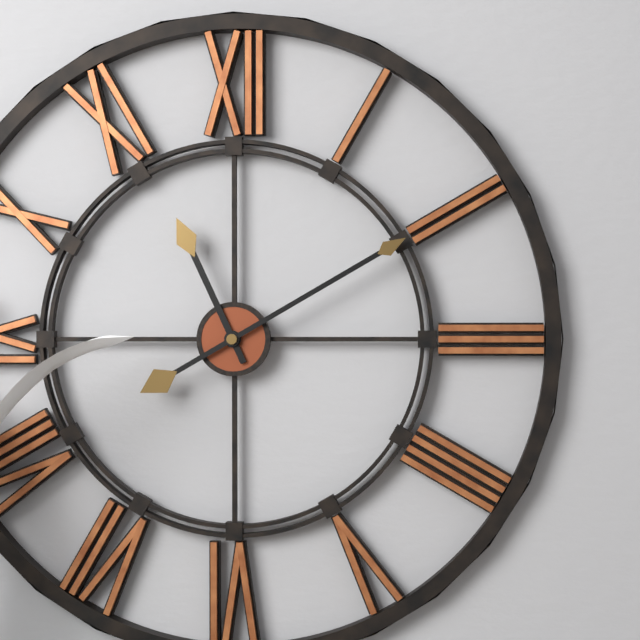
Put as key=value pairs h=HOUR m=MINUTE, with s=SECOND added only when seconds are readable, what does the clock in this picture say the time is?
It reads h=11 m=10
